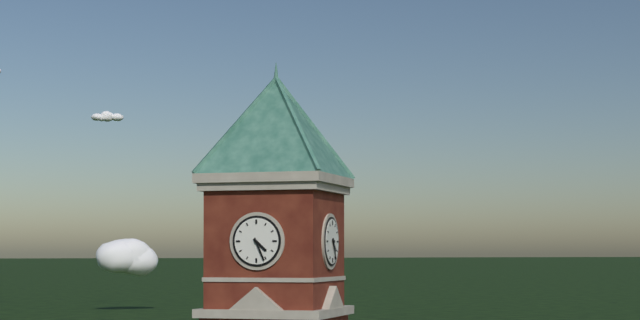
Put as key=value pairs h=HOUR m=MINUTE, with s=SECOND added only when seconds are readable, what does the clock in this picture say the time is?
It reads h=4 m=26
